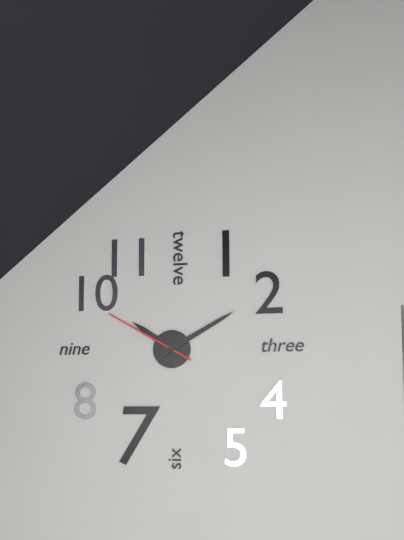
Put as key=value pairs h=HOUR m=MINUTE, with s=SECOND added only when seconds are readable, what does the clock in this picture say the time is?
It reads h=10 m=10 s=50
